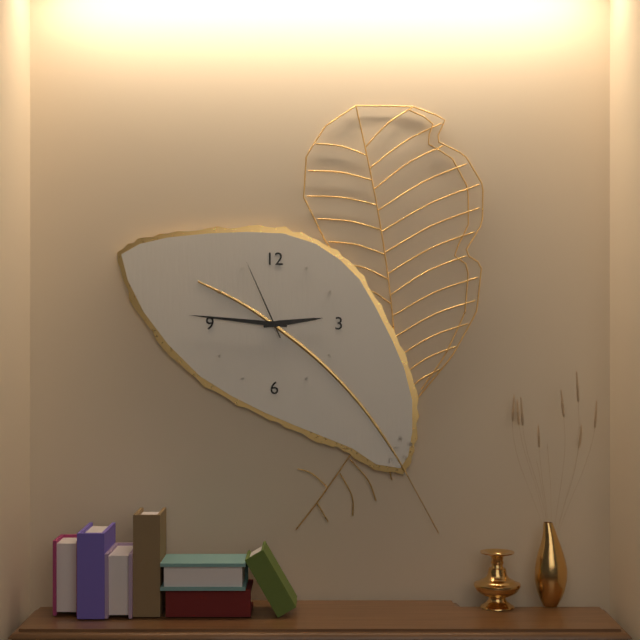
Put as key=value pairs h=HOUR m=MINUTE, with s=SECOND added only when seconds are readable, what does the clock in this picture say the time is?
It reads h=2 m=46 s=56
